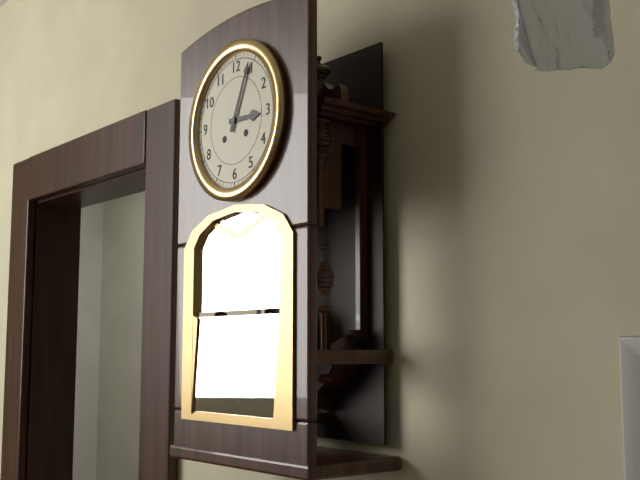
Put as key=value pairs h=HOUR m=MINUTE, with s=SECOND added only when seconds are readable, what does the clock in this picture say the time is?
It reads h=3 m=4
